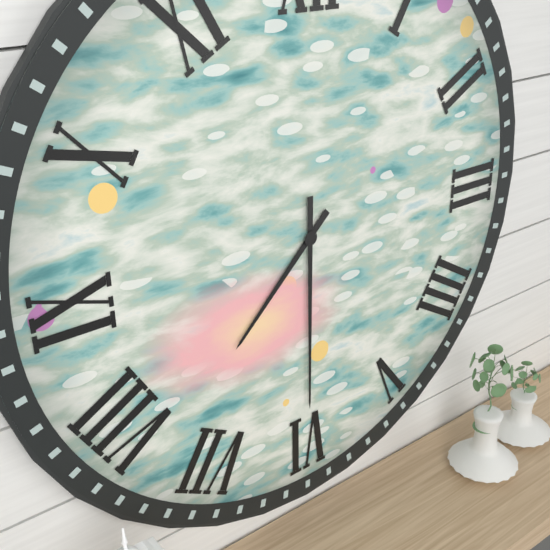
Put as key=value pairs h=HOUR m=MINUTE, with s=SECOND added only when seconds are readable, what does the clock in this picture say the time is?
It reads h=7 m=30
